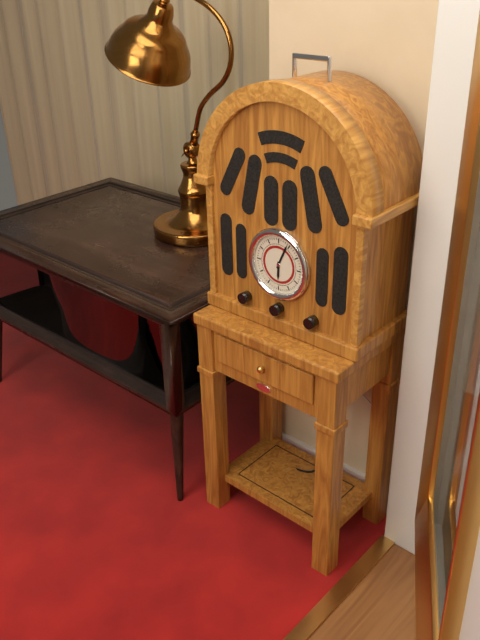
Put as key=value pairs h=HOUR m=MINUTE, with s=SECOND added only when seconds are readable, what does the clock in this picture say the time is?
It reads h=6 m=4
